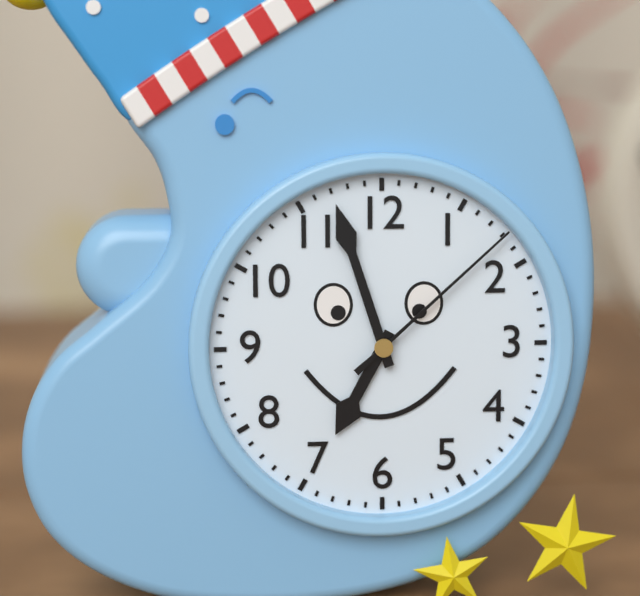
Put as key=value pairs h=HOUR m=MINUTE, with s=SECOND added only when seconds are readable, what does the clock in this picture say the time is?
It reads h=6 m=57 s=8
